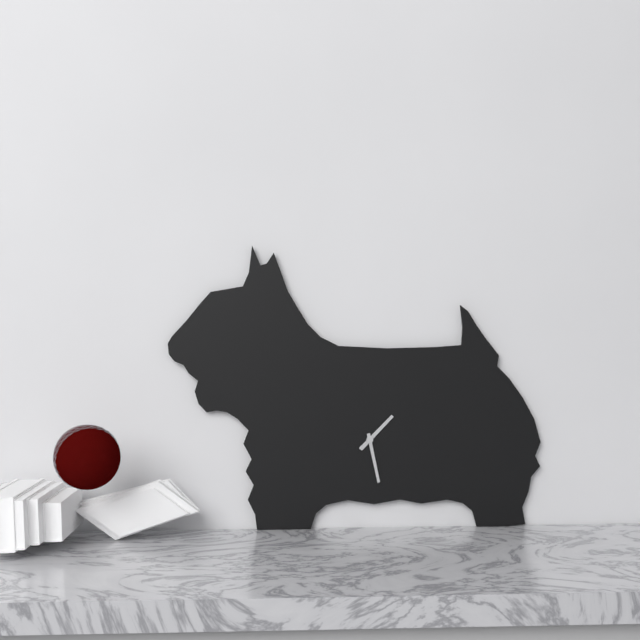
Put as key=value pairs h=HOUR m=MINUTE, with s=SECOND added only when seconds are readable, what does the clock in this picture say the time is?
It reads h=1 m=28
